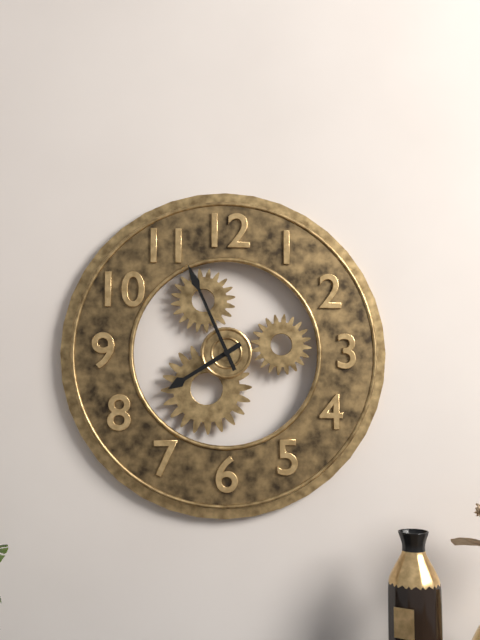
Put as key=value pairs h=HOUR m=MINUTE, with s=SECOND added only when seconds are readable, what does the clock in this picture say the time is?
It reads h=7 m=56
